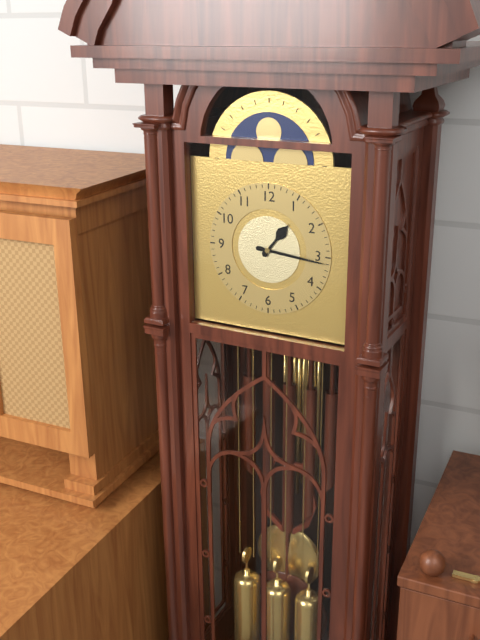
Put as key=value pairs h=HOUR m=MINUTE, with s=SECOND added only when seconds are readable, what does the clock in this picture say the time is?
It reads h=1 m=16
